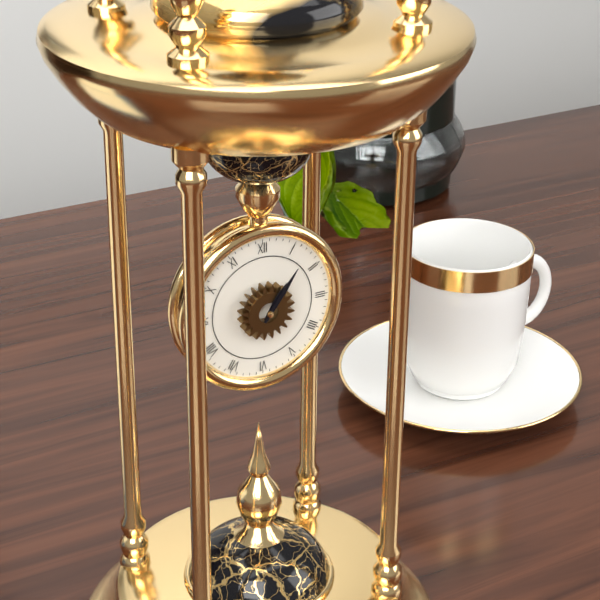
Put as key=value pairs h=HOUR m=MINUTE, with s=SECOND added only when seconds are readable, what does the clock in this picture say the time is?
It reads h=1 m=6
